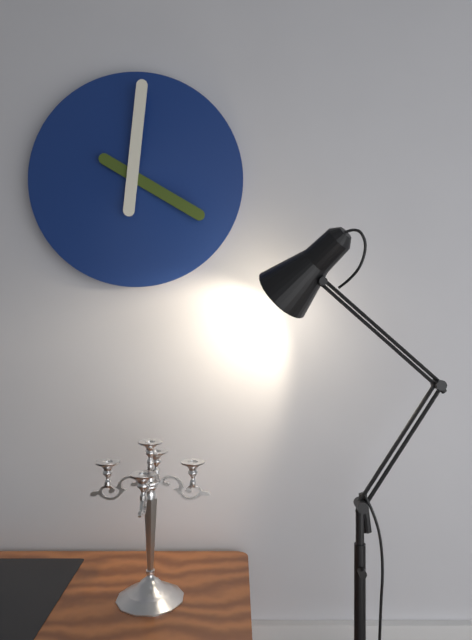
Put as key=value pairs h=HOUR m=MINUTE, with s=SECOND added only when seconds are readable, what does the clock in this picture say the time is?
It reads h=4 m=1
